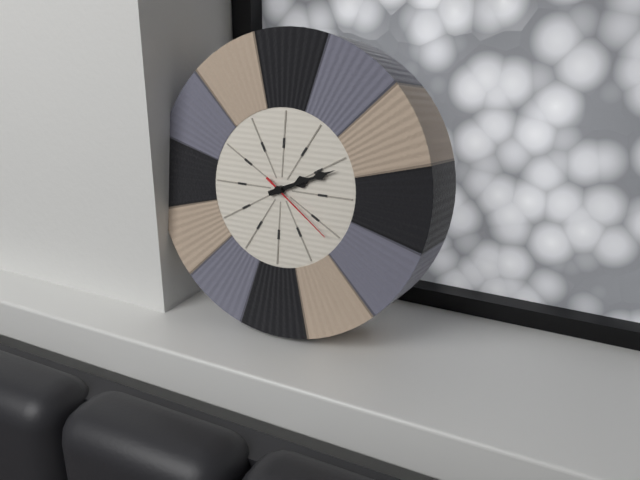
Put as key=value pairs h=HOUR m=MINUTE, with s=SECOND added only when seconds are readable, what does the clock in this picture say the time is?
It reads h=2 m=11 s=21
